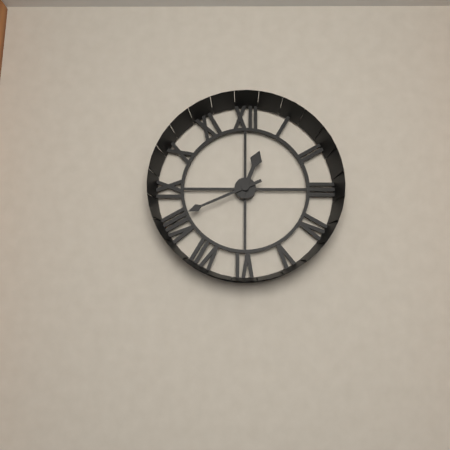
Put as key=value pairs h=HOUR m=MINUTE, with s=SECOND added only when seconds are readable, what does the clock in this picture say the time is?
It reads h=12 m=41
